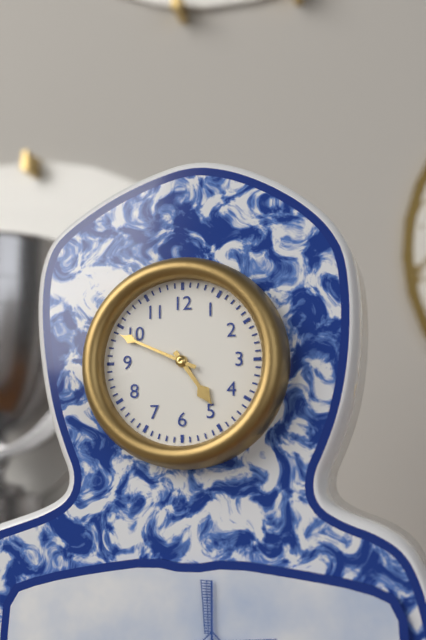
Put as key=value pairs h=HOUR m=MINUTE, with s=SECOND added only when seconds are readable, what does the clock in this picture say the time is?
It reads h=4 m=49
